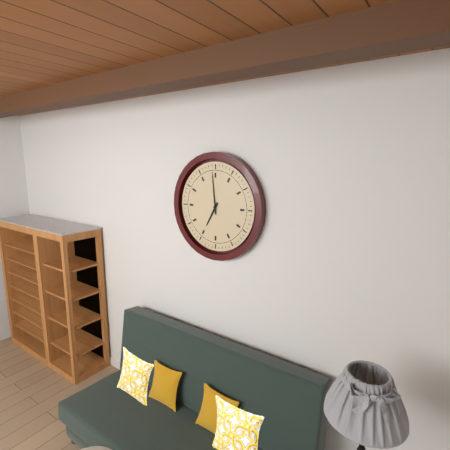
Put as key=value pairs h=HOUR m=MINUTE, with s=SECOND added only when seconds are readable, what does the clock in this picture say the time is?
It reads h=6 m=59
